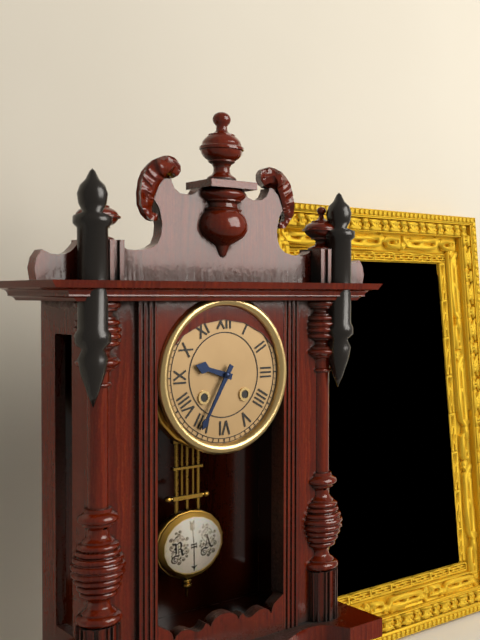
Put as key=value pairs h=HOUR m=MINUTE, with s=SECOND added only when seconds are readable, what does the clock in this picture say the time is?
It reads h=9 m=35
